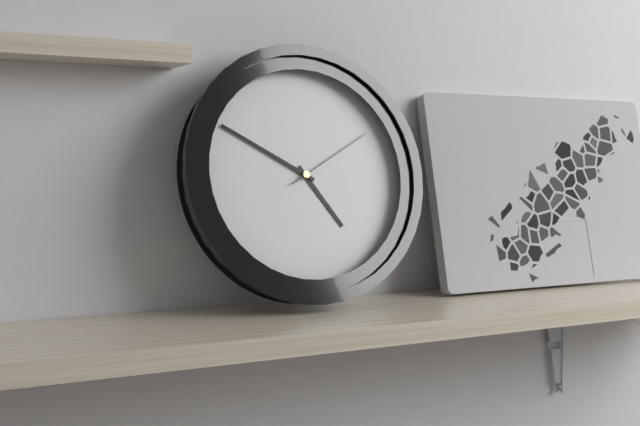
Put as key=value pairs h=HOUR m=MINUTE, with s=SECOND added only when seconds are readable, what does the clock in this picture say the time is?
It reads h=4 m=50 s=10
